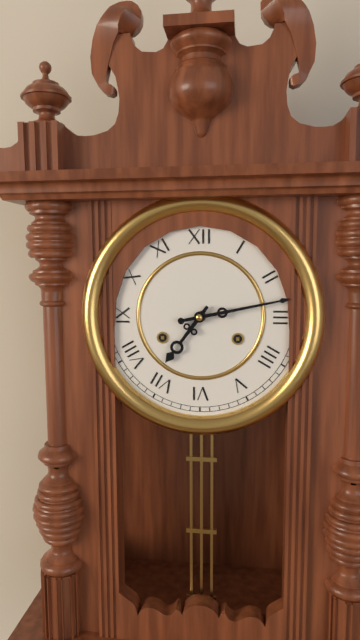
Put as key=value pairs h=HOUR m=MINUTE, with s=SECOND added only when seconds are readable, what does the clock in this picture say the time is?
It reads h=7 m=13
